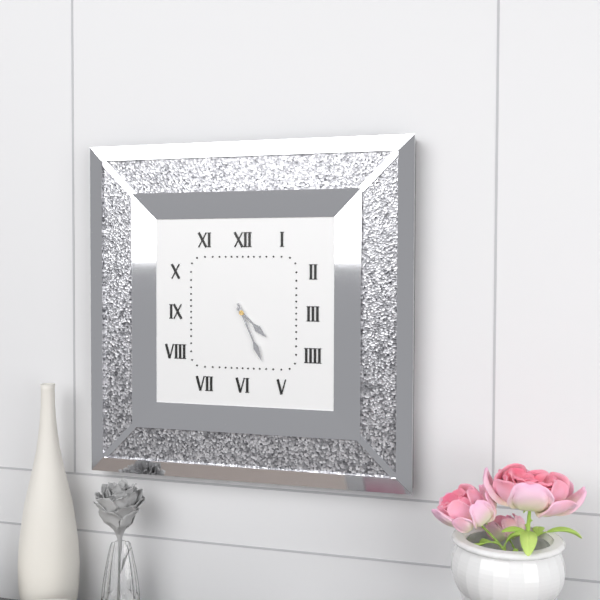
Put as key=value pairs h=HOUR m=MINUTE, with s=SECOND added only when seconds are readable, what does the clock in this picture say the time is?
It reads h=4 m=26
